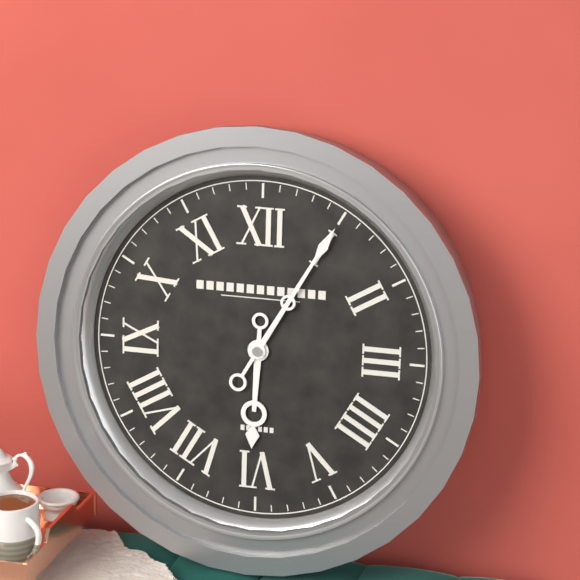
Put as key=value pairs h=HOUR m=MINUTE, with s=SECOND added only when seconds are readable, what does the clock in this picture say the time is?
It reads h=6 m=5
